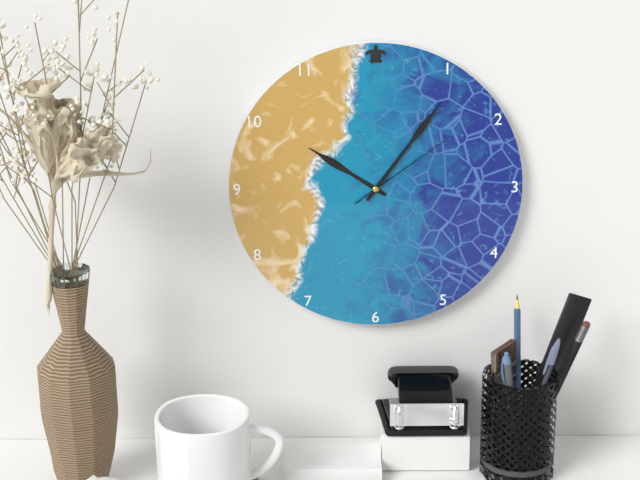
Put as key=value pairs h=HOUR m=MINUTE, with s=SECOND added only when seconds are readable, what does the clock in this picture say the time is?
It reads h=10 m=6 s=9
